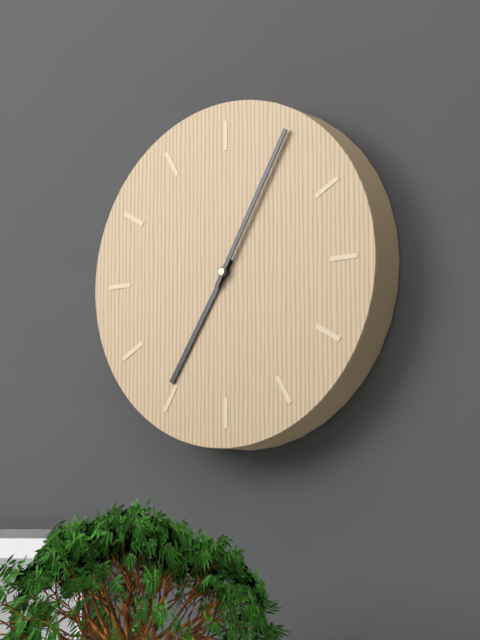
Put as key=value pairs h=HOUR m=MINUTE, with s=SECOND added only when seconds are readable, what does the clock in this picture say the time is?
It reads h=7 m=5
